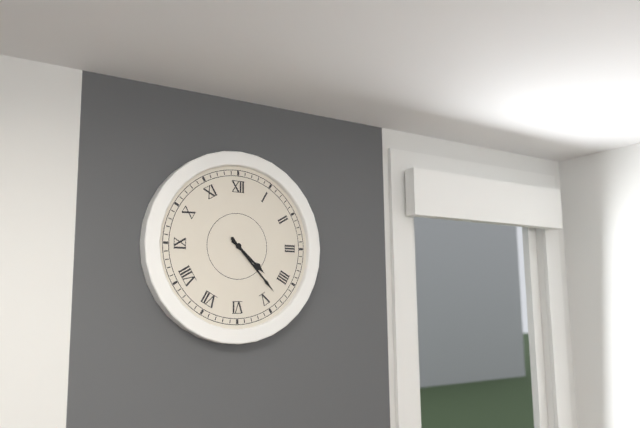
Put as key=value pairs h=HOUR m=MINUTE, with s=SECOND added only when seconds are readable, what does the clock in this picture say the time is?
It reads h=4 m=23
